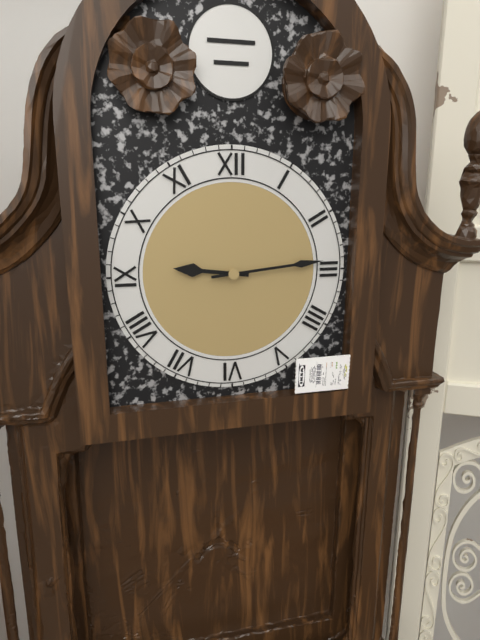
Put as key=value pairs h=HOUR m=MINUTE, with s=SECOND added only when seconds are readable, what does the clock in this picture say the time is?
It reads h=9 m=14
